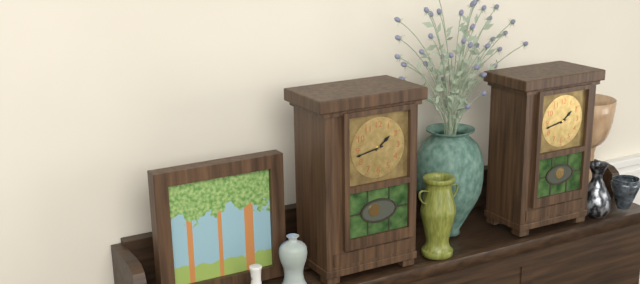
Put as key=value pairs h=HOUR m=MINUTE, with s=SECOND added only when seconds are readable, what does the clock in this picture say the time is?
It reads h=1 m=43
